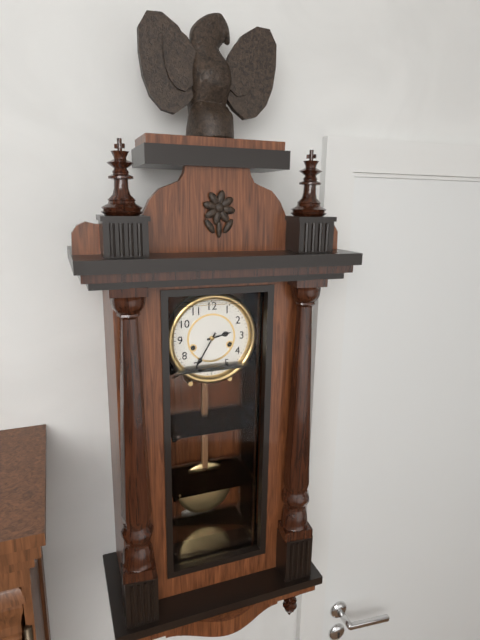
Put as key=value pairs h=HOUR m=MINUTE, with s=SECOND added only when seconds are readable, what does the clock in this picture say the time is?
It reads h=2 m=35
